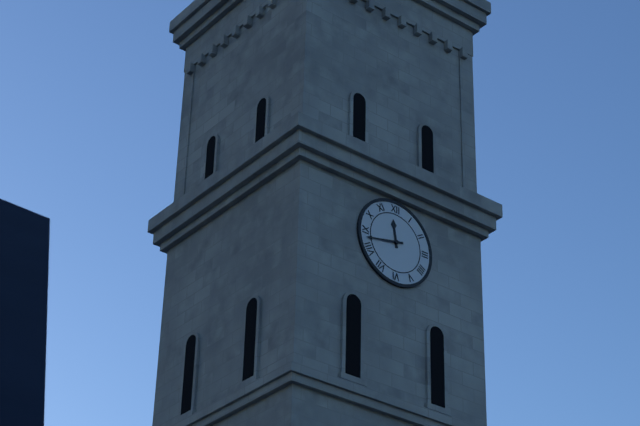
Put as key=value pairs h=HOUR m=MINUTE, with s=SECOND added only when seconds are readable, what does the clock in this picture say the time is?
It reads h=11 m=43
